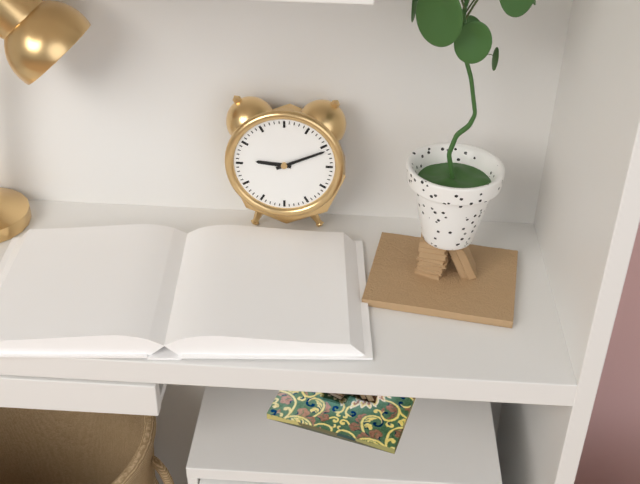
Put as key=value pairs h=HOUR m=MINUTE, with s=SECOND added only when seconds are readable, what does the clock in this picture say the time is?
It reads h=9 m=11
